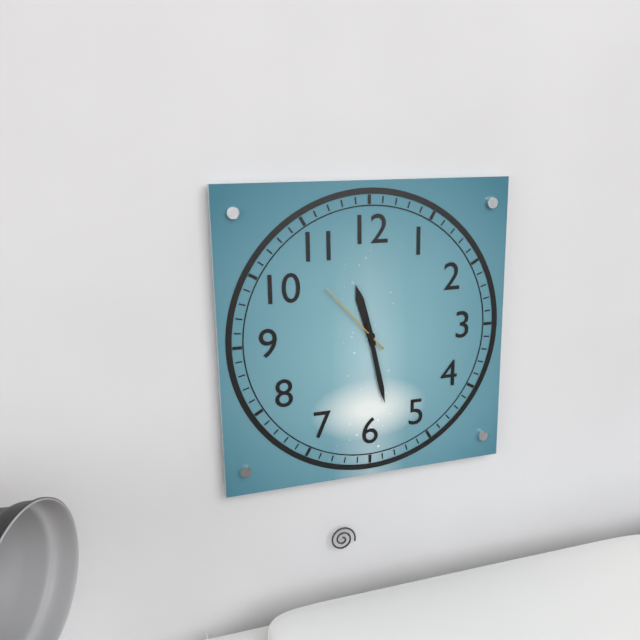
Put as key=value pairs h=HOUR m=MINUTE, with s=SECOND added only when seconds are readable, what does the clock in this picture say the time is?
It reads h=11 m=28 s=53
